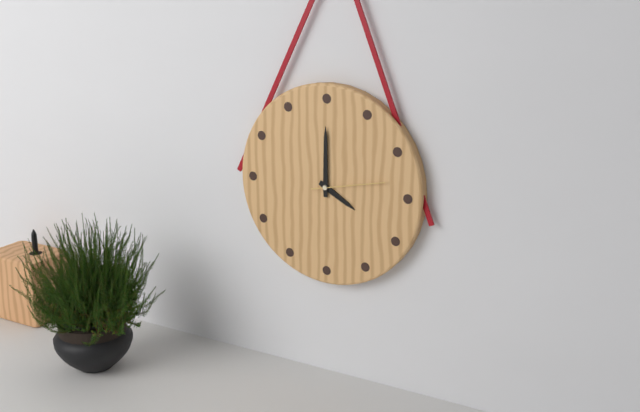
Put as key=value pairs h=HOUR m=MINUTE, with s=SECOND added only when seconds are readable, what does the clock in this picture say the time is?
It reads h=4 m=0 s=13
